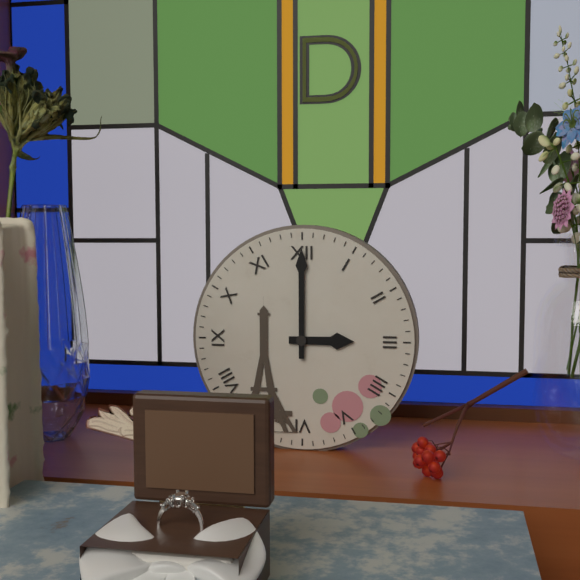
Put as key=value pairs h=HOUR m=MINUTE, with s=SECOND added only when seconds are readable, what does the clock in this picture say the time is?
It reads h=3 m=0
